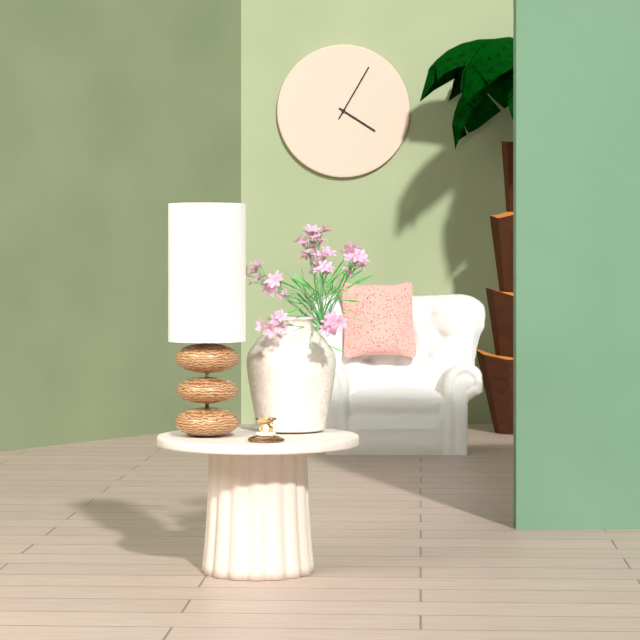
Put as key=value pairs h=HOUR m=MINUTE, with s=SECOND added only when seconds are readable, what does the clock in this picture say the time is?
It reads h=4 m=5
